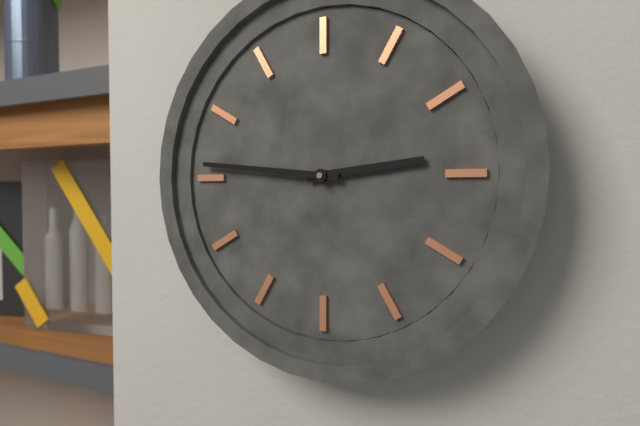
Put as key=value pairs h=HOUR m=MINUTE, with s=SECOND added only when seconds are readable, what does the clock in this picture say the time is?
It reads h=2 m=46
